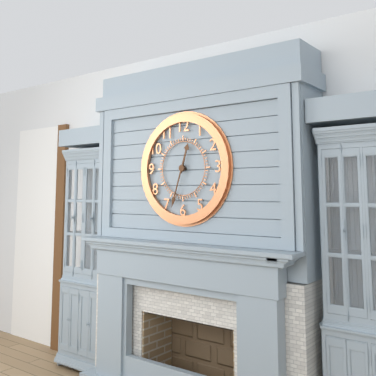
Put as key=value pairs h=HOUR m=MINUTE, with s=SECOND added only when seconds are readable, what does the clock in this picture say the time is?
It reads h=12 m=33
